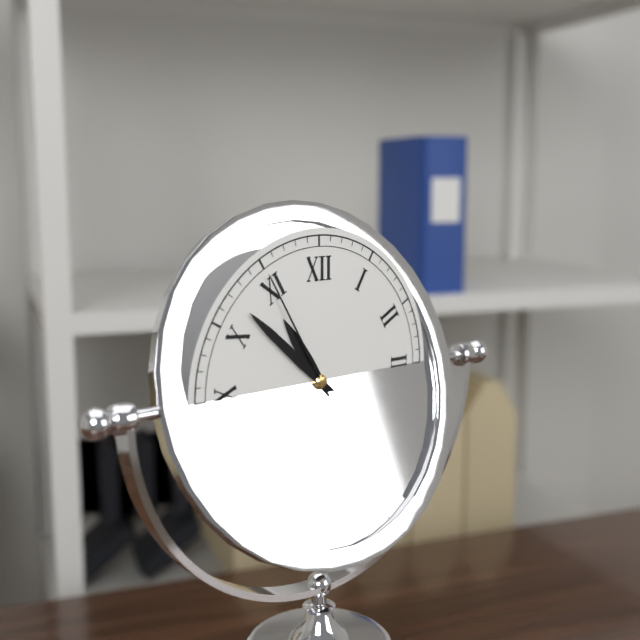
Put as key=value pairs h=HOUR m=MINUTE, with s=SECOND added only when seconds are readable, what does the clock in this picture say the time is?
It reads h=10 m=52 s=55
